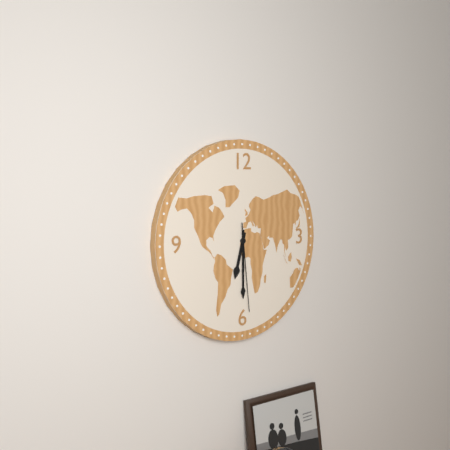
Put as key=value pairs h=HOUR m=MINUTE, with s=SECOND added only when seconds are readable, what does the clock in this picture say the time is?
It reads h=6 m=30 s=29
